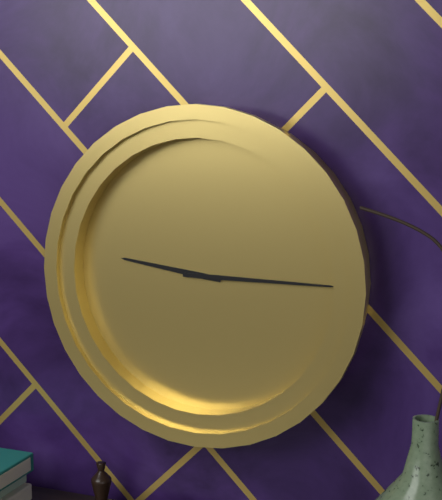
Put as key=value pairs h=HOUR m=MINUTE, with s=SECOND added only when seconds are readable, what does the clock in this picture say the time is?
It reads h=9 m=15
